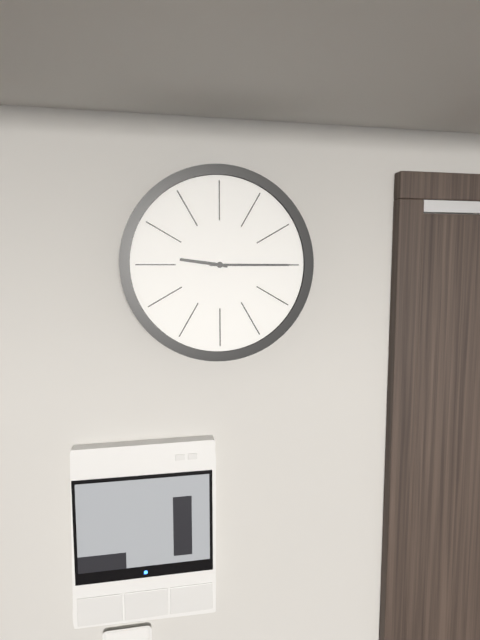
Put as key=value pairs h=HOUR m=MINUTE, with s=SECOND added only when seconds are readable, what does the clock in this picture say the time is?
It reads h=9 m=15
